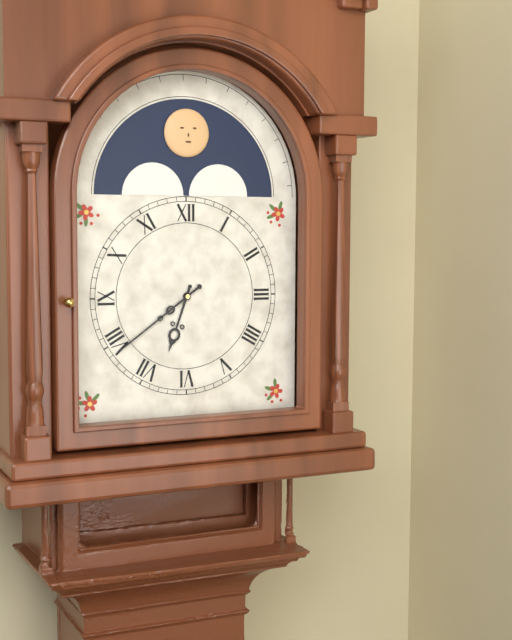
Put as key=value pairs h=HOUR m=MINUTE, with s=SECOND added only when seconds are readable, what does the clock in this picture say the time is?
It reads h=6 m=39
